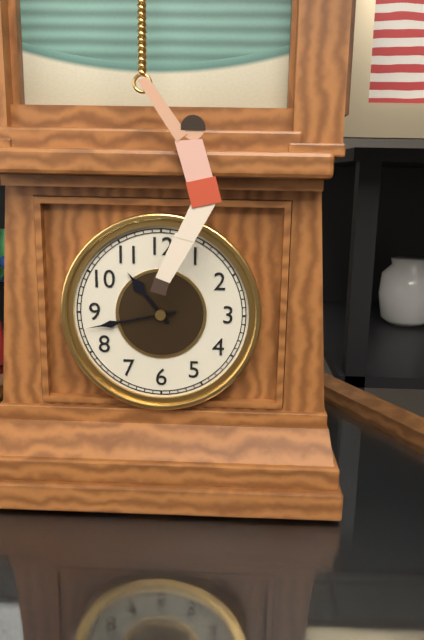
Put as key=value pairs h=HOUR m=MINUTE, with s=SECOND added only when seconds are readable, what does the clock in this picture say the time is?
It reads h=10 m=43
